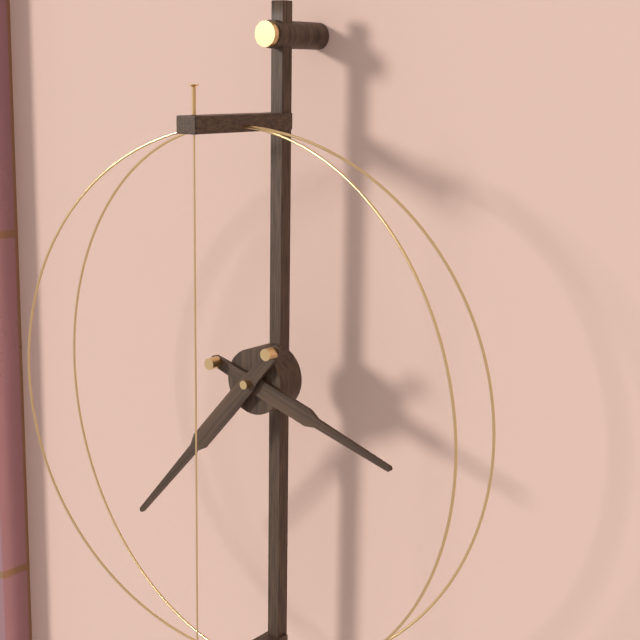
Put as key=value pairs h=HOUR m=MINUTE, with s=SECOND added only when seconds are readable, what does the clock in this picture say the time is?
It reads h=3 m=37
